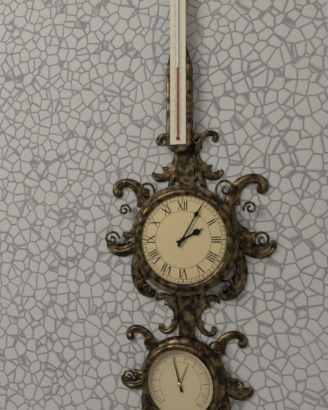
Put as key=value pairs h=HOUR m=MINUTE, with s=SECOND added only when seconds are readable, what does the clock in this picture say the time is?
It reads h=2 m=5
